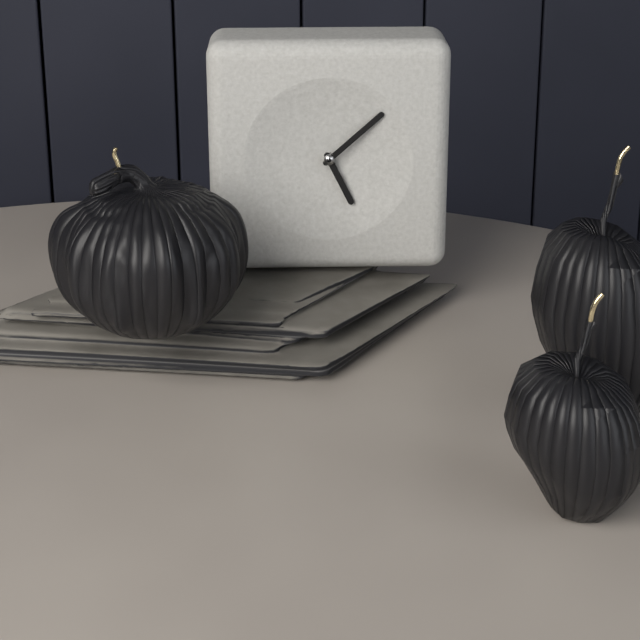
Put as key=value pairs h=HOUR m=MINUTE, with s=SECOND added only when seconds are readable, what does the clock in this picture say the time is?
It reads h=5 m=8
